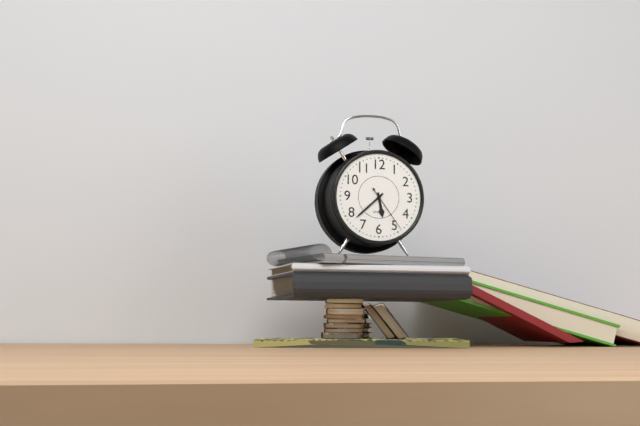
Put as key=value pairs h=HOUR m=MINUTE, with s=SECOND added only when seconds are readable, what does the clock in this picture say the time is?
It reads h=5 m=38 s=24
